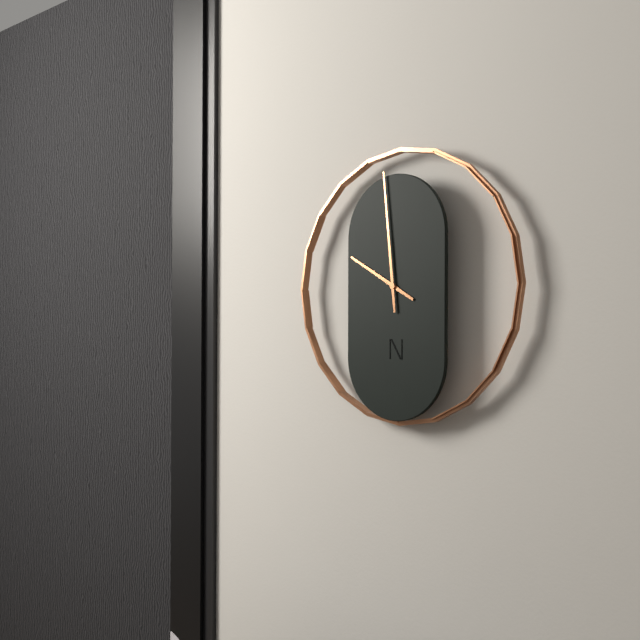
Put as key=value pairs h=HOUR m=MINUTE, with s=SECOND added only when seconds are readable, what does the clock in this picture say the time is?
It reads h=9 m=59
